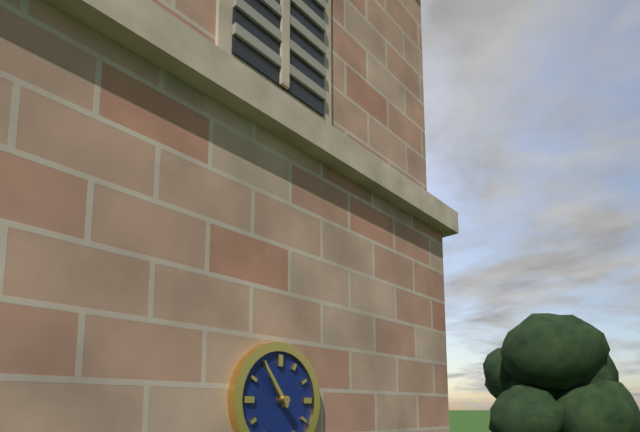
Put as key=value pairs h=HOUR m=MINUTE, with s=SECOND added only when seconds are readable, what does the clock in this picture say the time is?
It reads h=10 m=54
